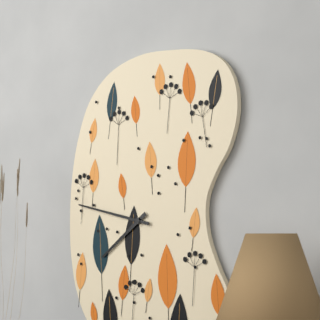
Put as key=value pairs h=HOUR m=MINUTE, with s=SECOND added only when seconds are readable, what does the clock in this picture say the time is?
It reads h=7 m=47
